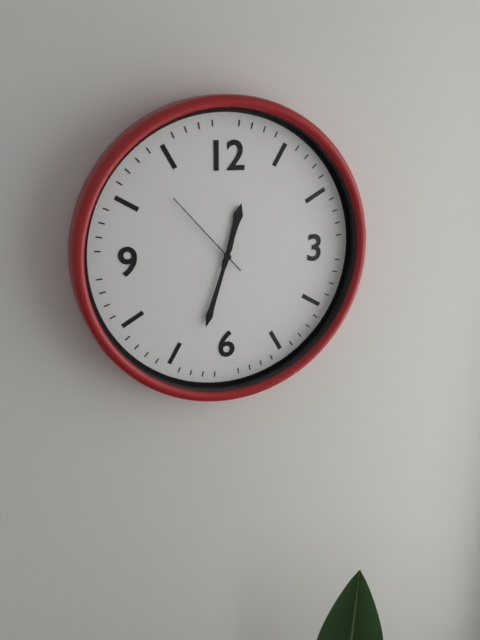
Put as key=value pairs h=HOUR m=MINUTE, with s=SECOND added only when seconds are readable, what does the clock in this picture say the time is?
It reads h=12 m=33 s=53
